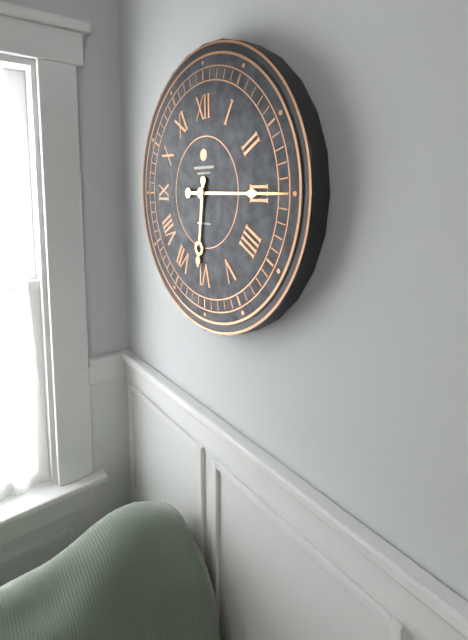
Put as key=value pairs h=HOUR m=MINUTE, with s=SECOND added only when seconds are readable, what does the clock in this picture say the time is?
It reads h=6 m=15
